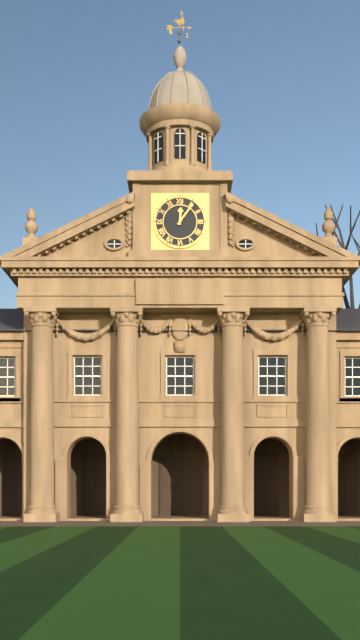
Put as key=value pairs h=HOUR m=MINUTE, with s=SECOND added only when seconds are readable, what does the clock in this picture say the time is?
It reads h=12 m=6
